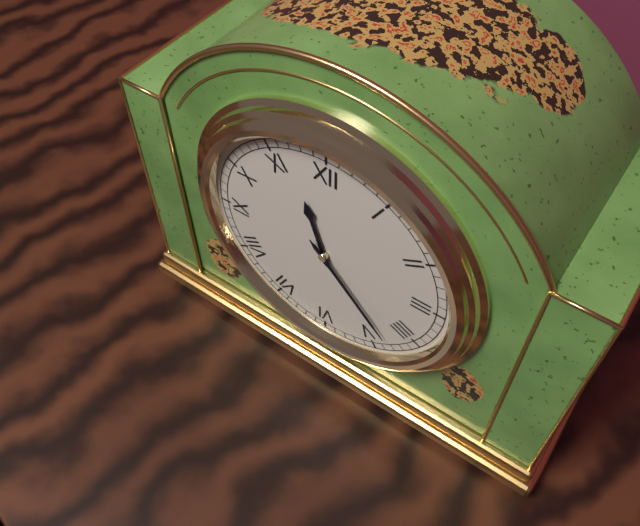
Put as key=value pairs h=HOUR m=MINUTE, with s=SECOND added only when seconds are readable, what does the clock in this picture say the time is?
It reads h=11 m=23
